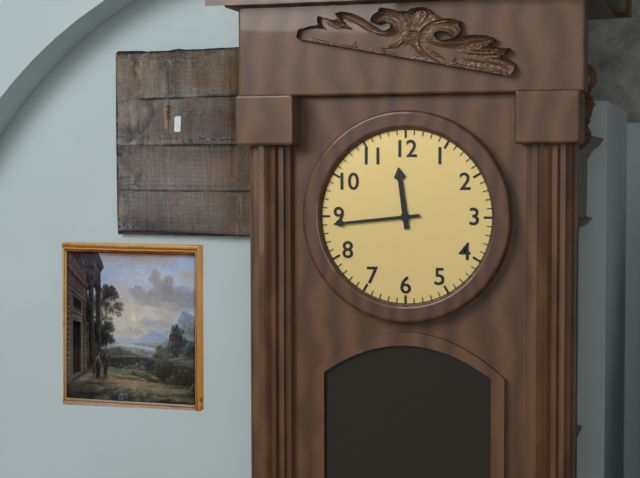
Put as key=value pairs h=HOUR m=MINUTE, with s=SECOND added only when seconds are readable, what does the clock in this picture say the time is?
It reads h=11 m=44
